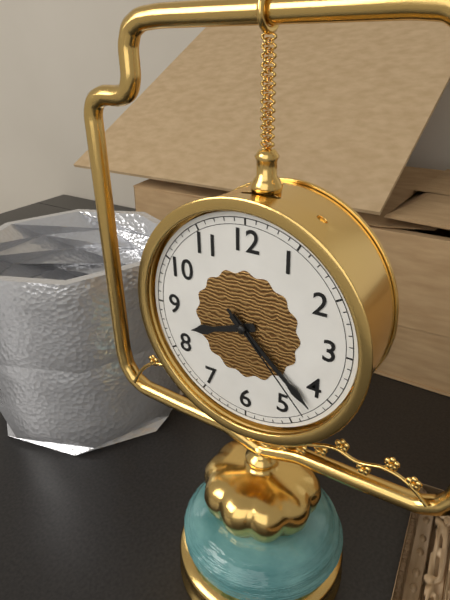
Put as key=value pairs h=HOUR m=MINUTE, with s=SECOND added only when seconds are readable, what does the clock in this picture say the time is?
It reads h=8 m=22 s=23
